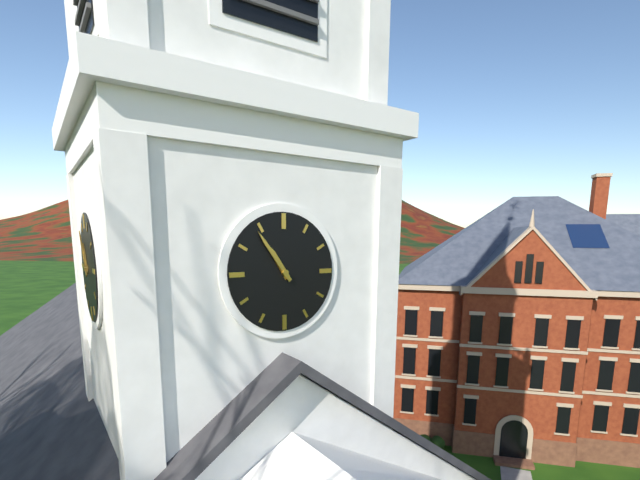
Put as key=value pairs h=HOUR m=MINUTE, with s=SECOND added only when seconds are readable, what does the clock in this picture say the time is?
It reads h=10 m=54
